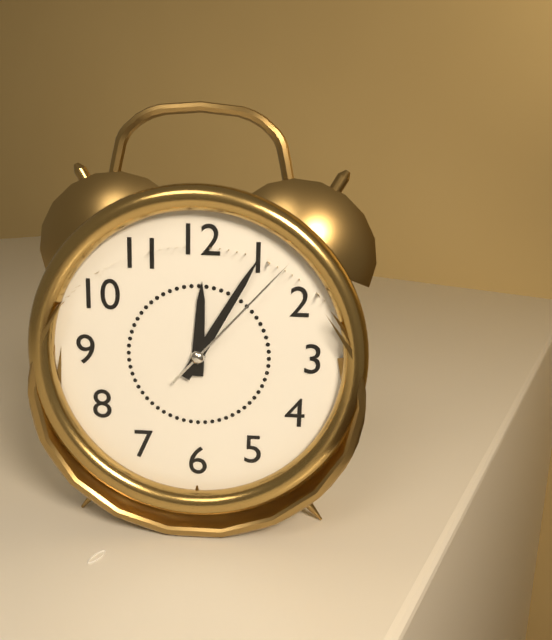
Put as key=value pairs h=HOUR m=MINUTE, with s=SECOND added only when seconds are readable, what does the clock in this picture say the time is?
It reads h=12 m=5 s=7
